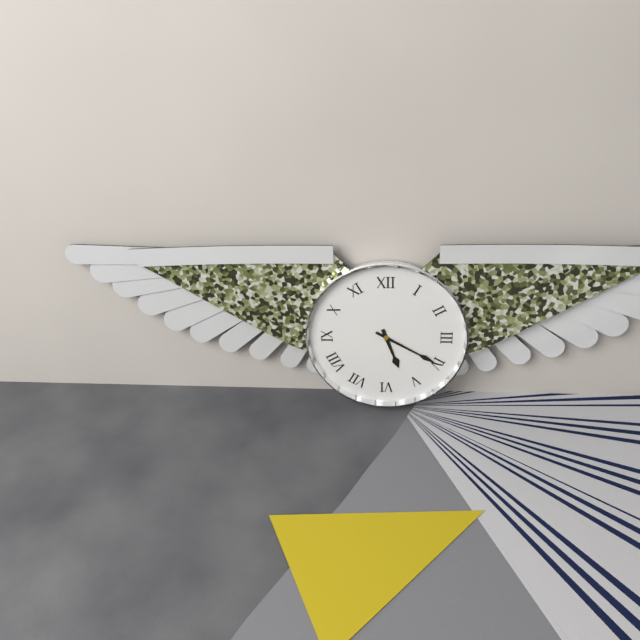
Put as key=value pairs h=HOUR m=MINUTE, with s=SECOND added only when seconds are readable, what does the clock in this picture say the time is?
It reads h=5 m=20
